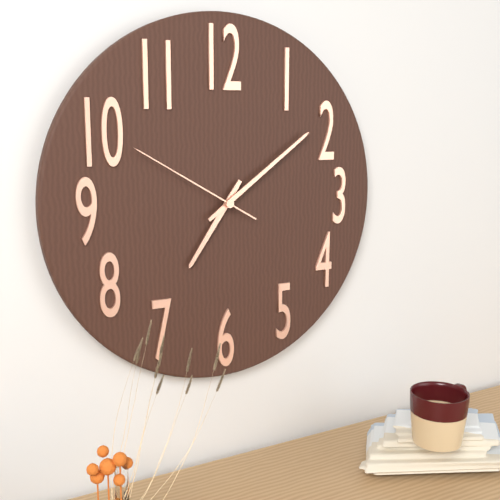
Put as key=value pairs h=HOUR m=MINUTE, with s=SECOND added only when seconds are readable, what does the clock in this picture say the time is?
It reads h=7 m=9 s=50
